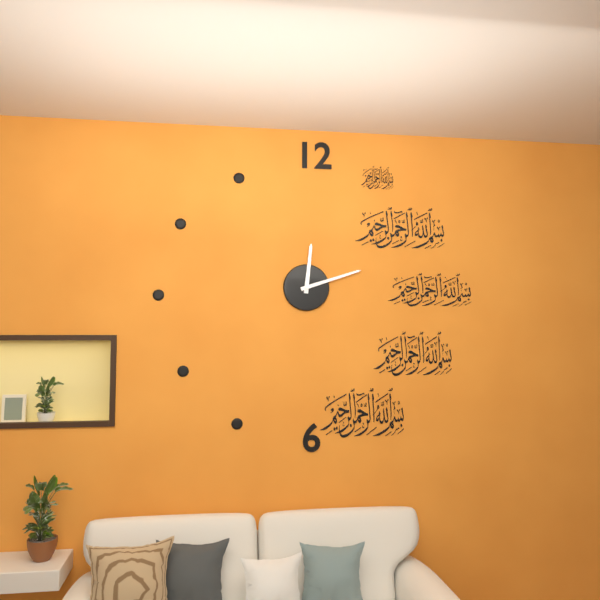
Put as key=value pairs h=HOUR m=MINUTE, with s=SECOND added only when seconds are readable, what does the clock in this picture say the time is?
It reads h=12 m=12
